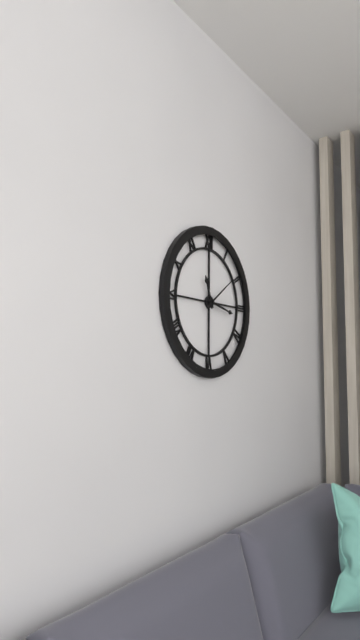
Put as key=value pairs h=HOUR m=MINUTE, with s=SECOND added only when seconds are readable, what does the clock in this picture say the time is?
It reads h=11 m=17
